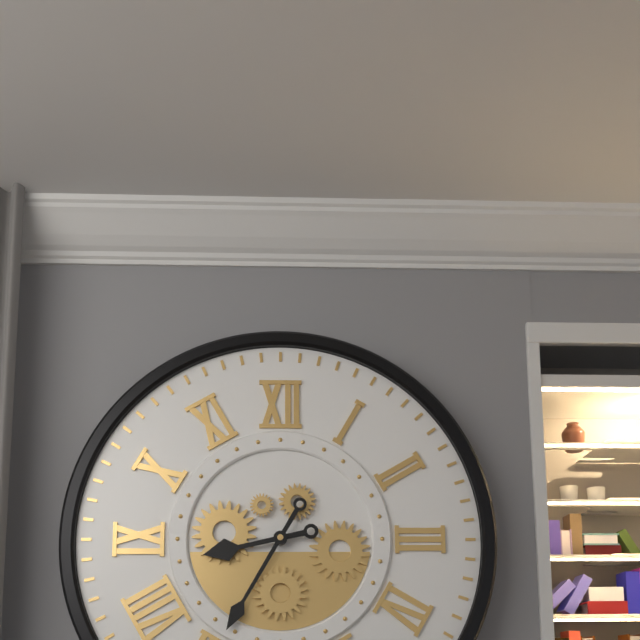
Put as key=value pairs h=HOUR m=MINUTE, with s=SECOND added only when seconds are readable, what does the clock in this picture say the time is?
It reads h=8 m=35
